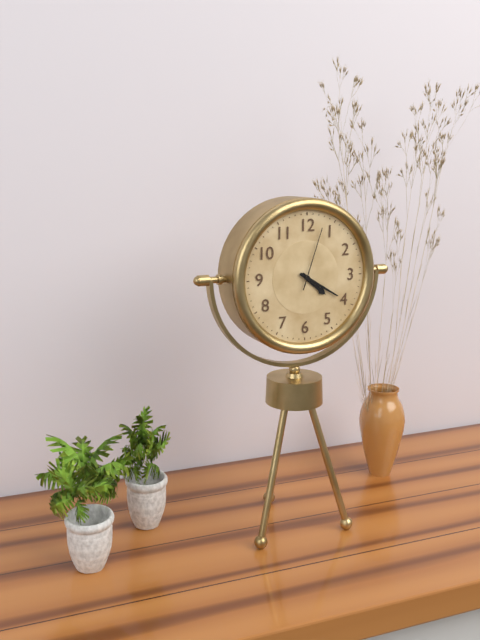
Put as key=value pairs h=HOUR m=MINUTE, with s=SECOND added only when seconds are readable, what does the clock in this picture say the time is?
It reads h=4 m=20 s=3
